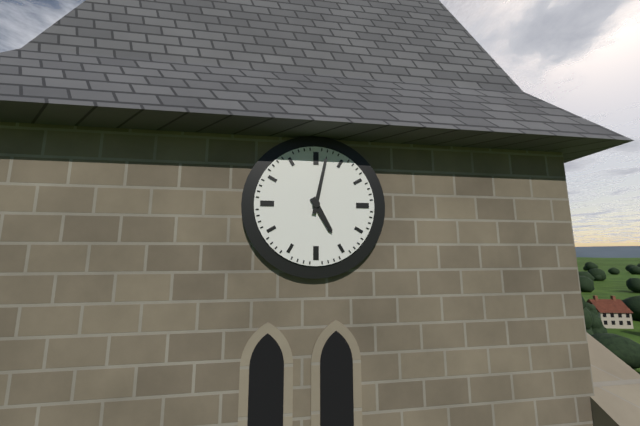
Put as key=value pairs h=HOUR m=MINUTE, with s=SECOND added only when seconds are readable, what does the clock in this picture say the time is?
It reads h=5 m=2
